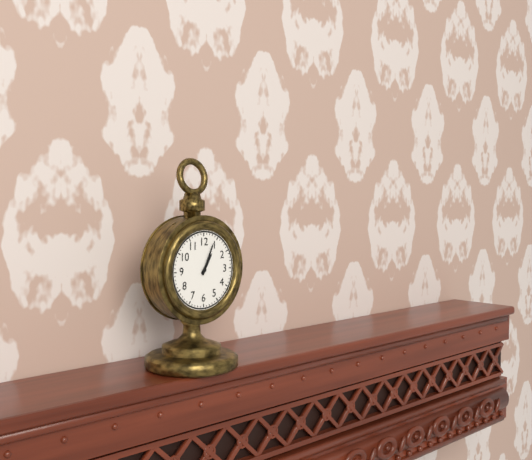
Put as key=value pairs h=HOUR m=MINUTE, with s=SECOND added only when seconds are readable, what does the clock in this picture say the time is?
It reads h=1 m=4
